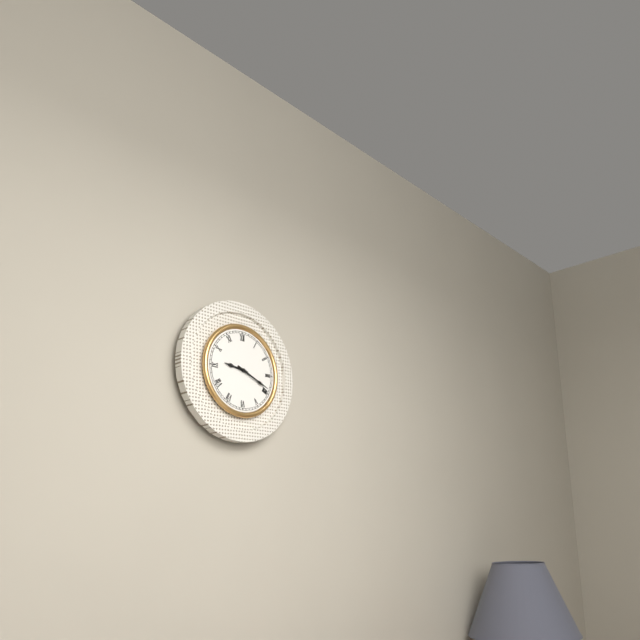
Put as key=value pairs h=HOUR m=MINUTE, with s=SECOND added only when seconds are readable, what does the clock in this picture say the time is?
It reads h=9 m=19
